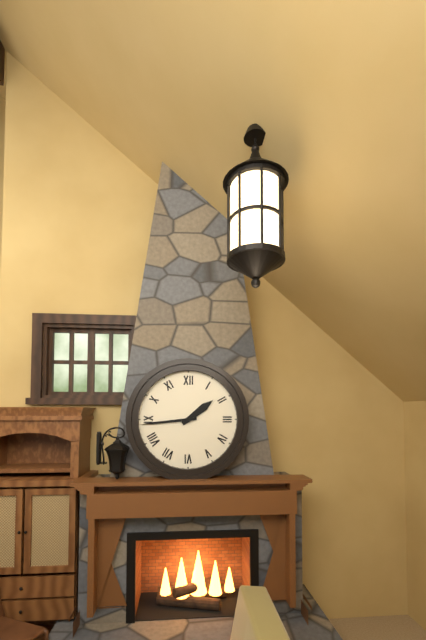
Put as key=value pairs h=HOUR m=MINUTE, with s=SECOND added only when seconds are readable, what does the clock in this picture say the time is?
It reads h=1 m=44
